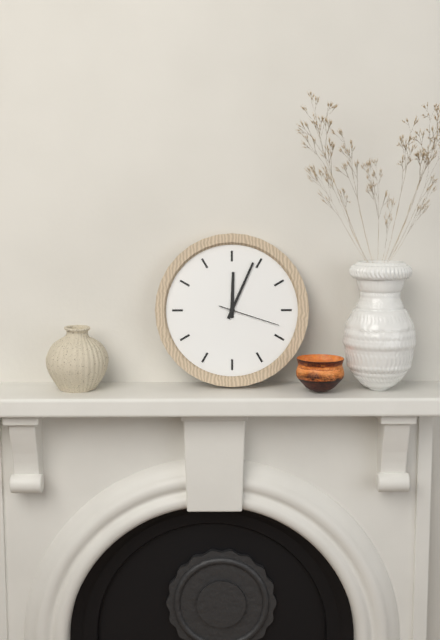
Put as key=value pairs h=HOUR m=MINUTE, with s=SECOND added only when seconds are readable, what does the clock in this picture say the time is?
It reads h=12 m=4 s=18
